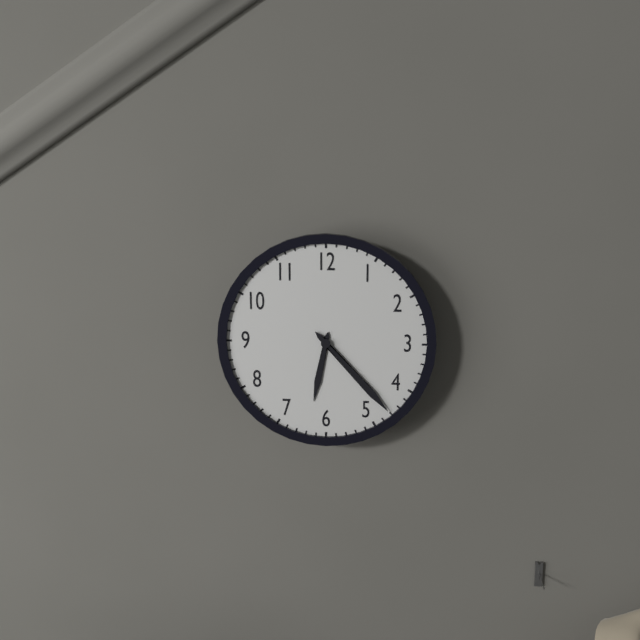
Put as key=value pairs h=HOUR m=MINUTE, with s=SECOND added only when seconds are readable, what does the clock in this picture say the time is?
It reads h=6 m=23
